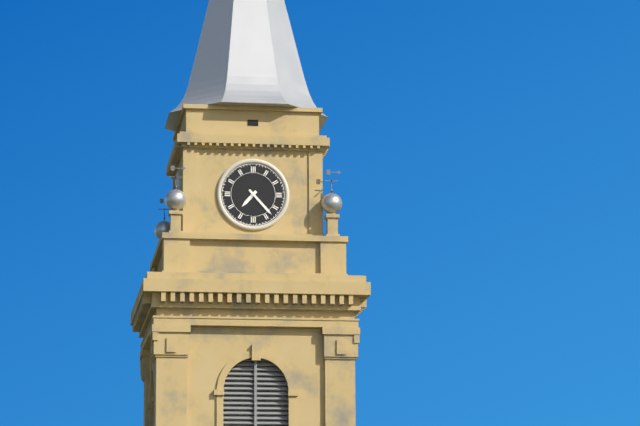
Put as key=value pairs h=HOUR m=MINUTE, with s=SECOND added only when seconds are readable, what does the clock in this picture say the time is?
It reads h=7 m=23
